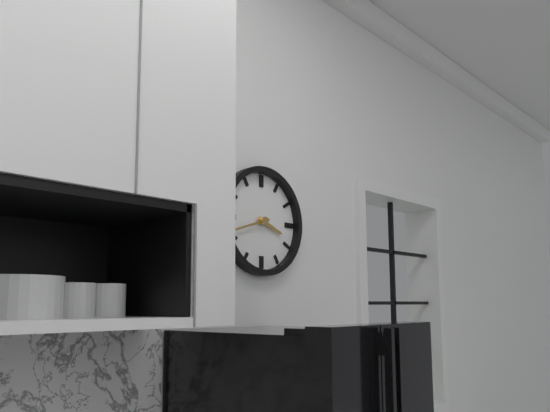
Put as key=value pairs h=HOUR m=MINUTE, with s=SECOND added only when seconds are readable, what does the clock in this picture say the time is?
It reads h=3 m=42
